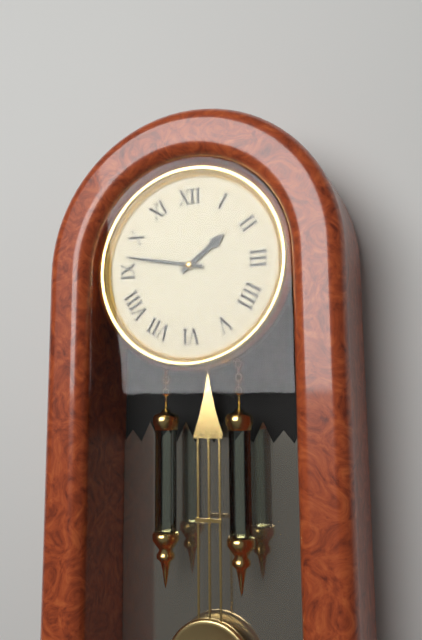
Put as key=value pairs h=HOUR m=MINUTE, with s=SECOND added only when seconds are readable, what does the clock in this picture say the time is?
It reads h=1 m=47
